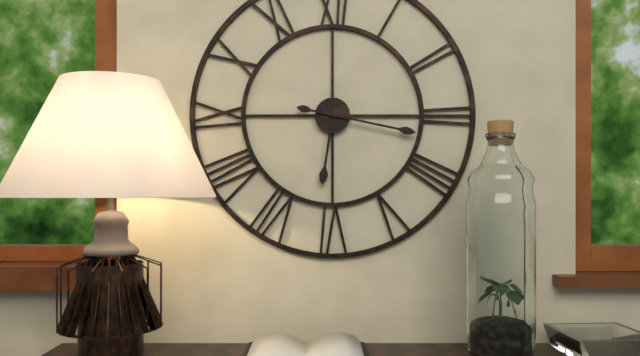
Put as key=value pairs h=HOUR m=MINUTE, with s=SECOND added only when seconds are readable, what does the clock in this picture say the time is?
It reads h=6 m=17
